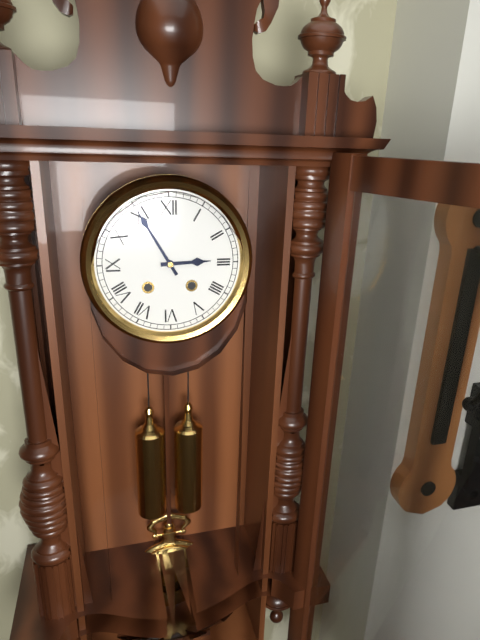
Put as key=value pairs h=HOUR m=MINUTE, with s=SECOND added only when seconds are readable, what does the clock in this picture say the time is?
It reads h=2 m=55
